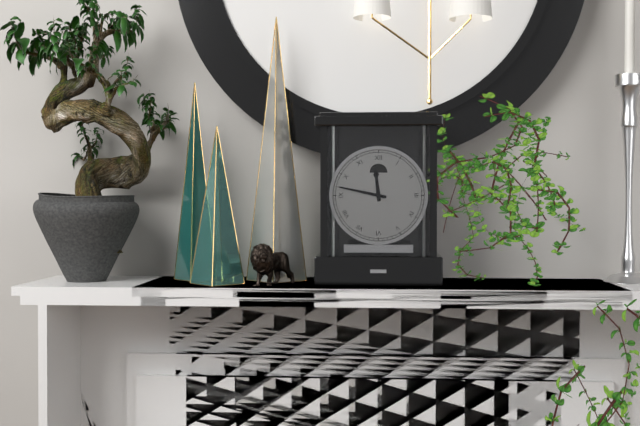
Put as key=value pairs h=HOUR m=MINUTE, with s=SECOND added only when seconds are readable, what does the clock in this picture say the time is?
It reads h=11 m=47
